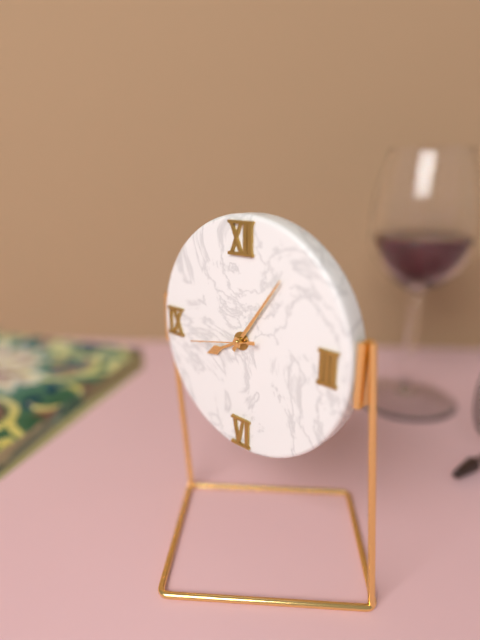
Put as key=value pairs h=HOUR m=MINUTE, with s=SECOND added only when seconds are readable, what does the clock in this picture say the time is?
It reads h=8 m=6 s=43
